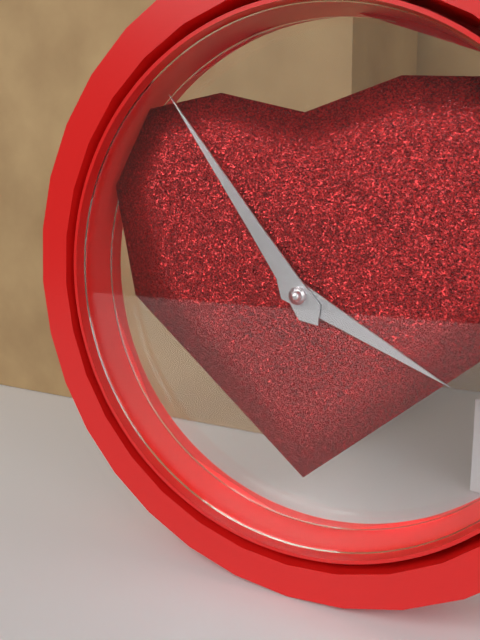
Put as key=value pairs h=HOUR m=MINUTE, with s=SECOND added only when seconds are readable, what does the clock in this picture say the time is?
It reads h=3 m=54
